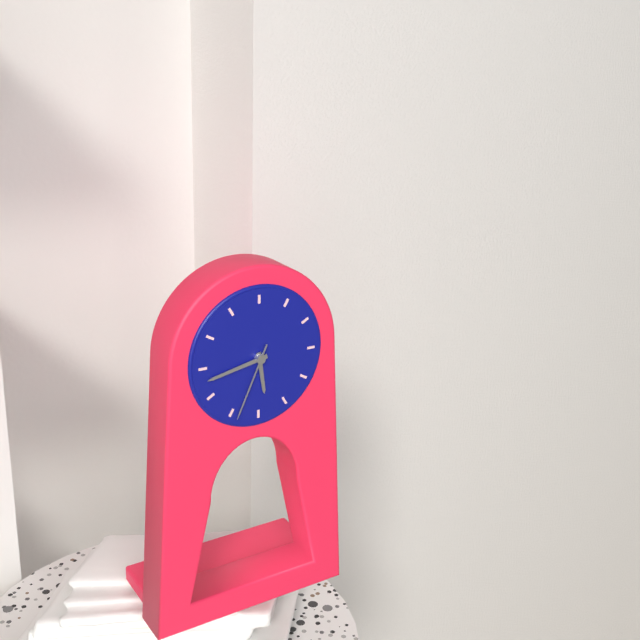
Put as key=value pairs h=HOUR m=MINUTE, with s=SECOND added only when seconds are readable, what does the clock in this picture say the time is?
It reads h=5 m=43 s=34
